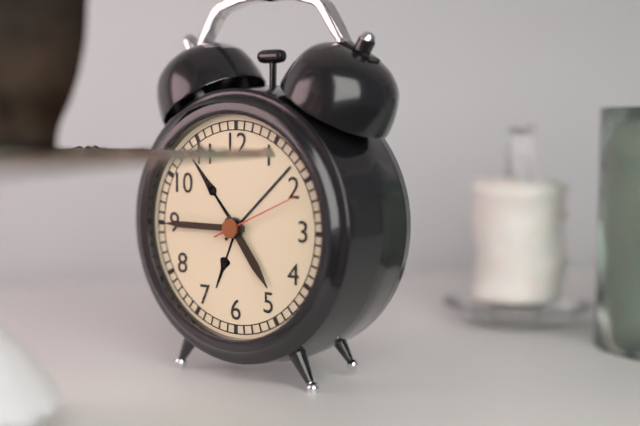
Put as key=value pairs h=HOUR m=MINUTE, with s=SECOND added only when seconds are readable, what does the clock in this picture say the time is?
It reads h=4 m=45 s=11
